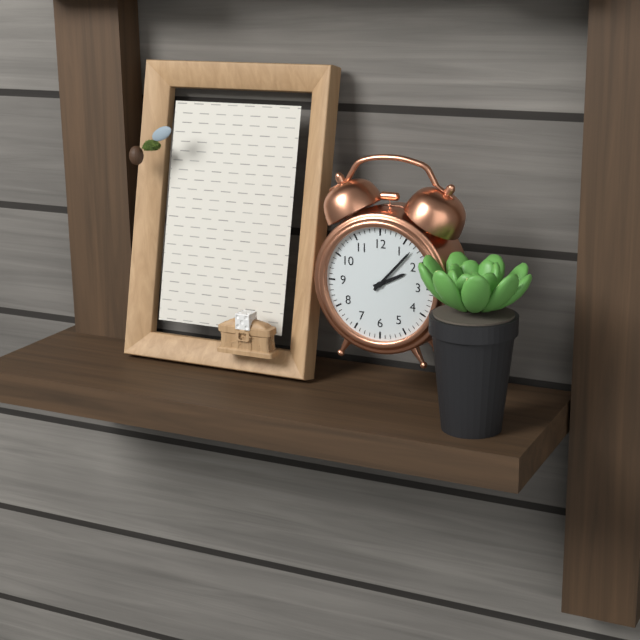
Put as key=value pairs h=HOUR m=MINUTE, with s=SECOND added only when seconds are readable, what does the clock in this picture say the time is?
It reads h=2 m=7
